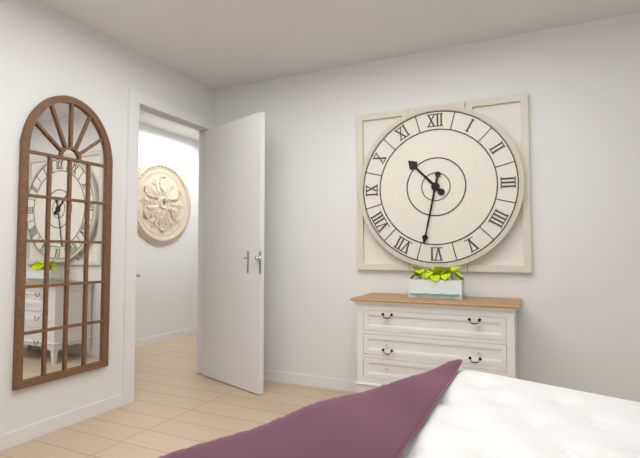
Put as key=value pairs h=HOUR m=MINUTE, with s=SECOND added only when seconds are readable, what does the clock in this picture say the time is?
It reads h=10 m=32
